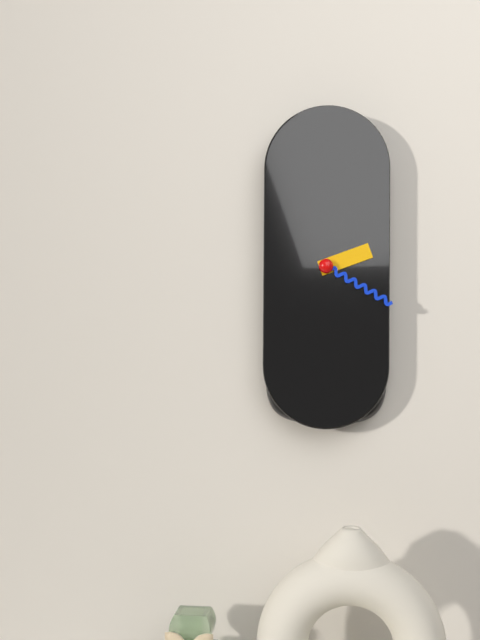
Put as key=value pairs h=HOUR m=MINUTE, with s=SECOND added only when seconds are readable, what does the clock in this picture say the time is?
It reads h=2 m=20
